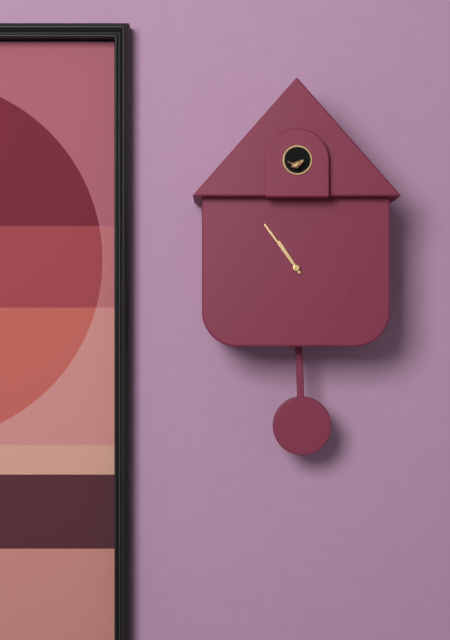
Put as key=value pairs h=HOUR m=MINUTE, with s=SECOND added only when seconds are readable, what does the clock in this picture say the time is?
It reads h=10 m=54
